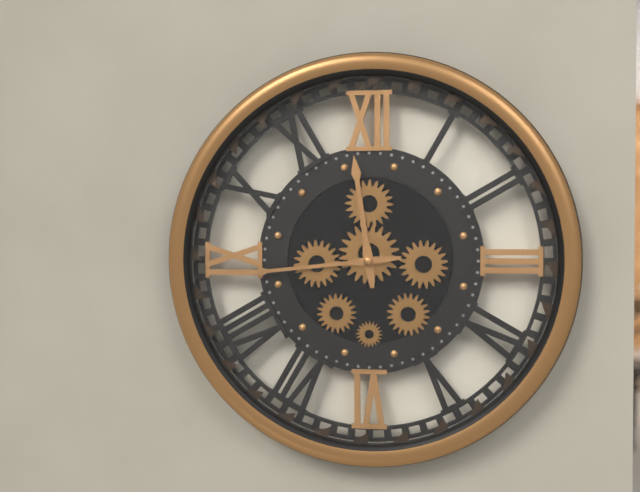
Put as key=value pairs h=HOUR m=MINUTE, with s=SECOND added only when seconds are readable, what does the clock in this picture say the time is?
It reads h=11 m=44
